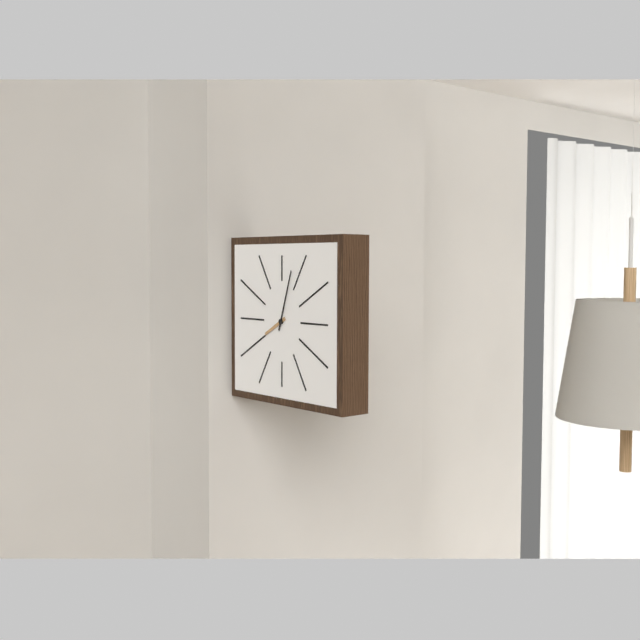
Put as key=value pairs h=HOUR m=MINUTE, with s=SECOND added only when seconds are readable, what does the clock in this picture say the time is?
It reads h=8 m=3
